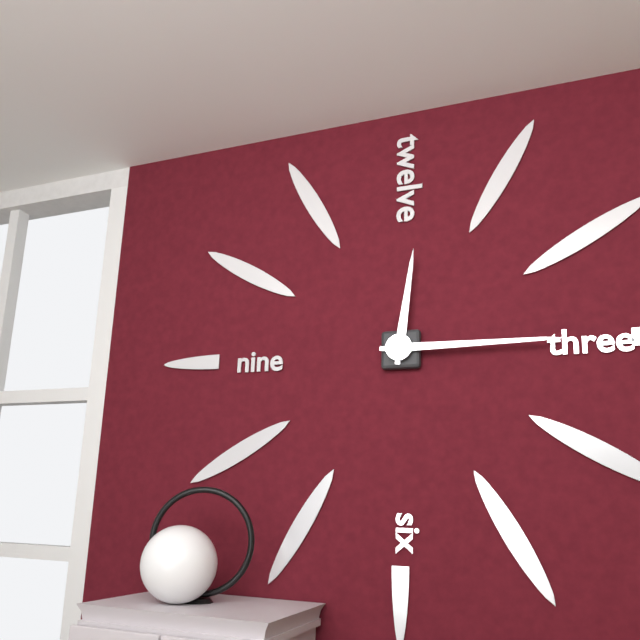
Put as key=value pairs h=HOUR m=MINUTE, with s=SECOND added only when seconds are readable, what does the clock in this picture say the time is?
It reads h=12 m=15
